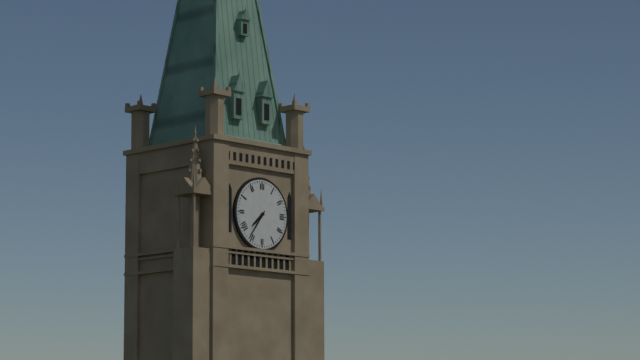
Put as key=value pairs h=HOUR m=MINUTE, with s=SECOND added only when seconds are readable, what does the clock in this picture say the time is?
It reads h=7 m=36
